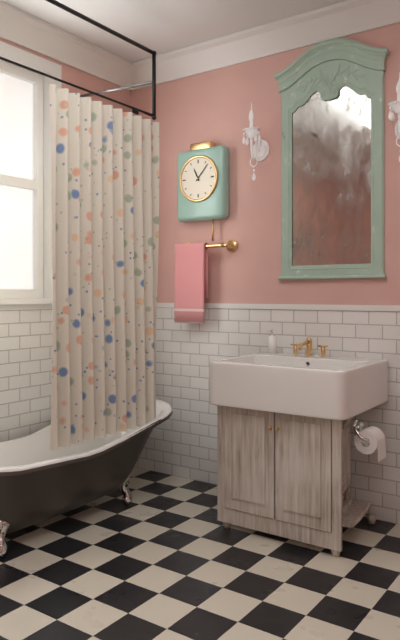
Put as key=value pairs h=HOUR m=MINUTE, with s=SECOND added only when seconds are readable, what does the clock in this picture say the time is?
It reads h=11 m=7
